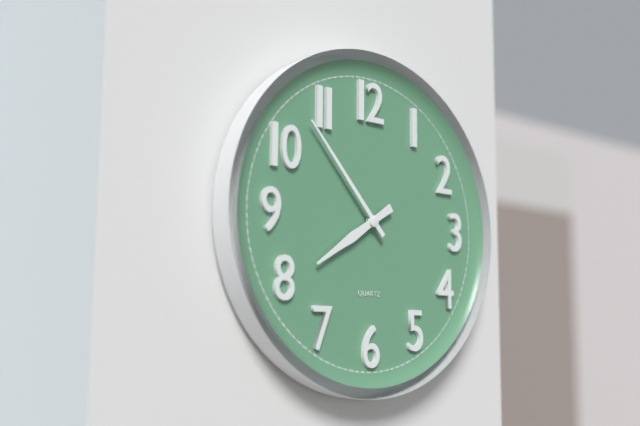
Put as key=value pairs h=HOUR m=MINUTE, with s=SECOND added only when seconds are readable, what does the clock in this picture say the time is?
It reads h=7 m=53
